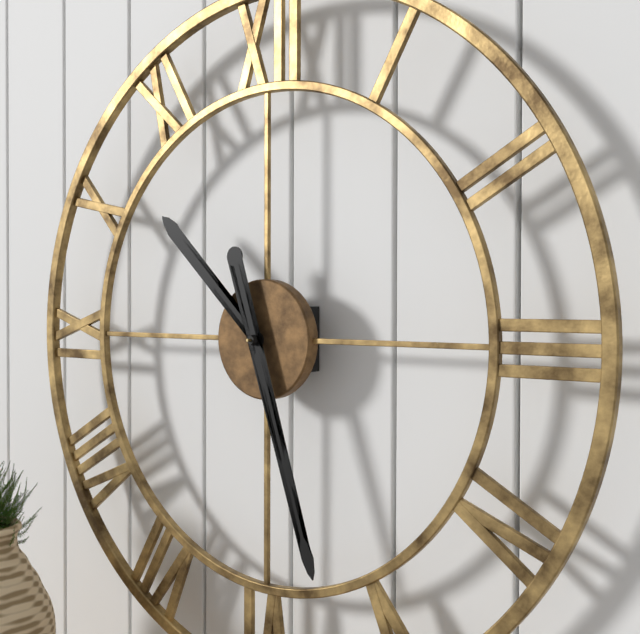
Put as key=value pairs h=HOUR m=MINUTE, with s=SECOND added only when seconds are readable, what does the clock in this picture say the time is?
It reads h=10 m=27
